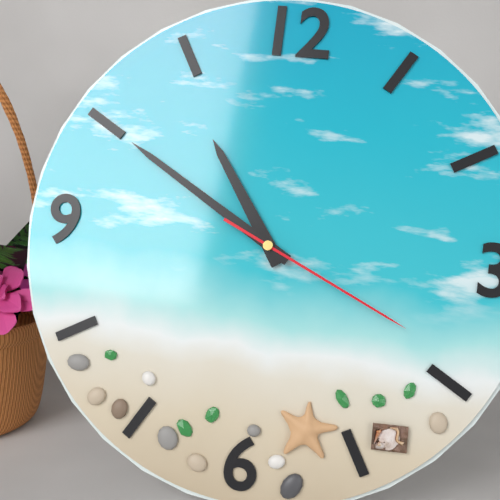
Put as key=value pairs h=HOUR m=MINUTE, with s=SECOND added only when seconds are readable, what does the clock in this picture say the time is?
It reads h=10 m=50 s=19
